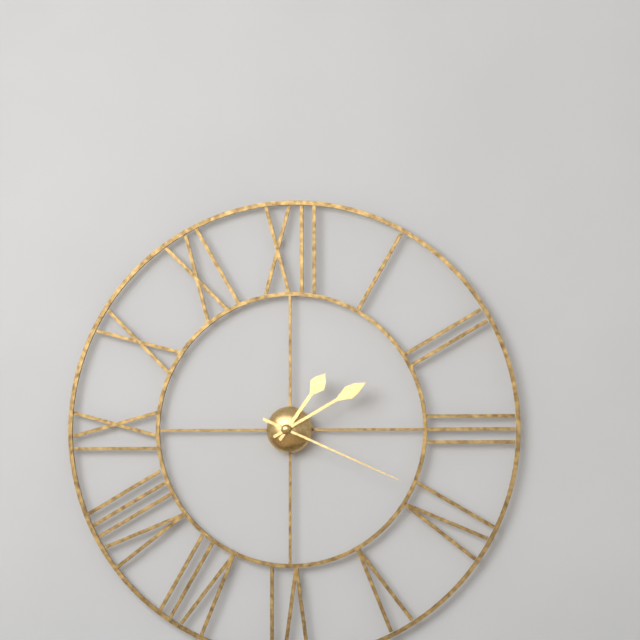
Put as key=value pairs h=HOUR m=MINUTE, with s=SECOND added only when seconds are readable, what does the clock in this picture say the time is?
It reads h=1 m=10 s=19
